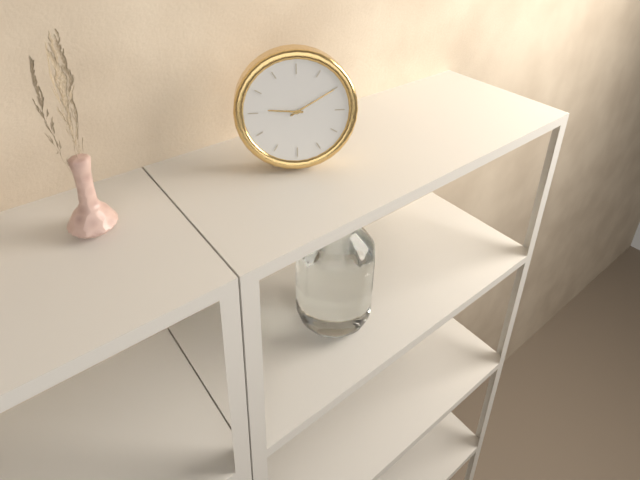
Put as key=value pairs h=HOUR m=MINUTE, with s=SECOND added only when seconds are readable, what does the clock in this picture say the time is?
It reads h=9 m=10
